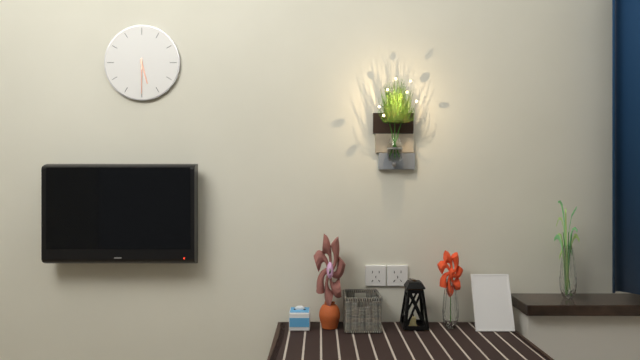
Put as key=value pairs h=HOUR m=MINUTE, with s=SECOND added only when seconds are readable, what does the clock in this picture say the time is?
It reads h=5 m=30
